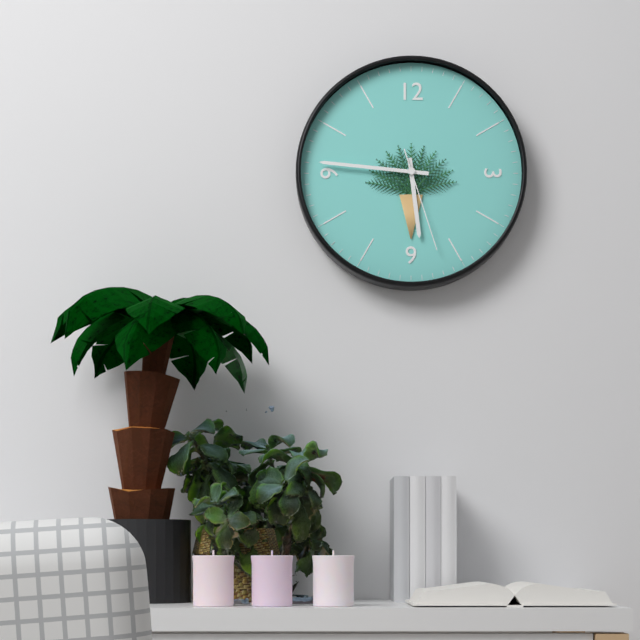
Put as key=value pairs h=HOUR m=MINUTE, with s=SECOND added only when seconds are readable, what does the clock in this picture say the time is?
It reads h=5 m=46 s=27
